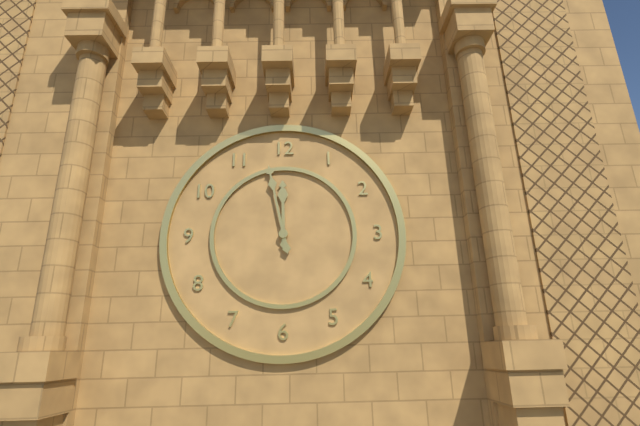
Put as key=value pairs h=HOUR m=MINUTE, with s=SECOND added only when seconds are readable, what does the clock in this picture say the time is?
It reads h=11 m=58
